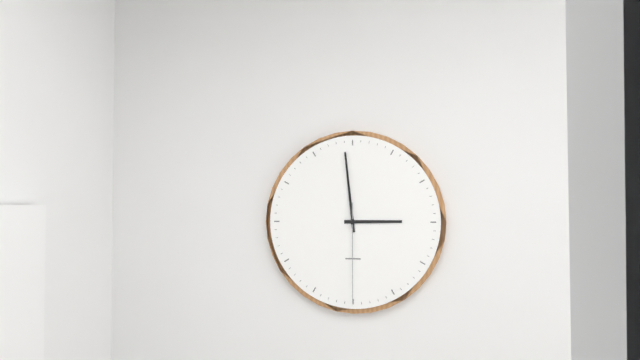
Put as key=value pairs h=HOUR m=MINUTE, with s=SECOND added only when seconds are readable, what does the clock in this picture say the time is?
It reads h=2 m=59 s=30
